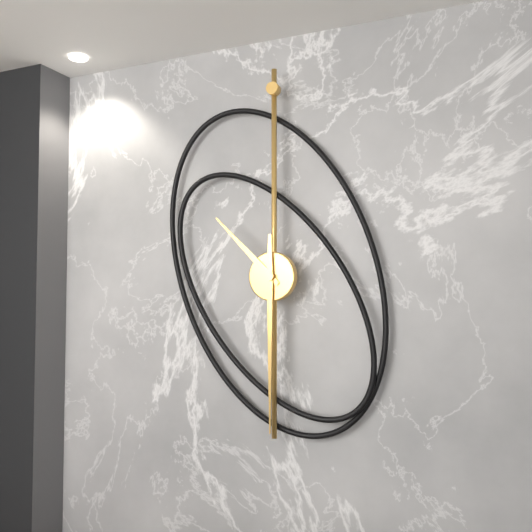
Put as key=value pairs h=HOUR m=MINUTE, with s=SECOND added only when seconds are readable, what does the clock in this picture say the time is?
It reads h=10 m=30
